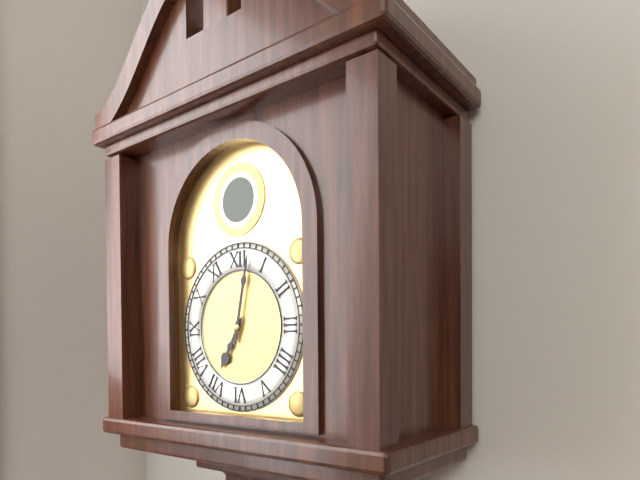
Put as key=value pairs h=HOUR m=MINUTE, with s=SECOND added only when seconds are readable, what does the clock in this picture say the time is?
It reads h=7 m=2
